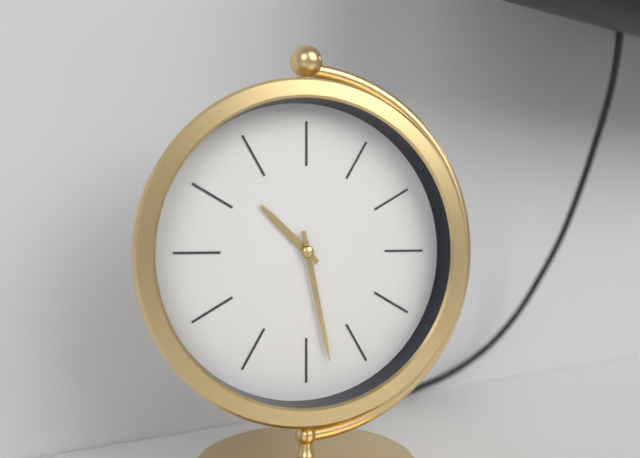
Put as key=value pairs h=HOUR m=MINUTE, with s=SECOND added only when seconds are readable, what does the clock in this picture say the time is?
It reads h=10 m=28
